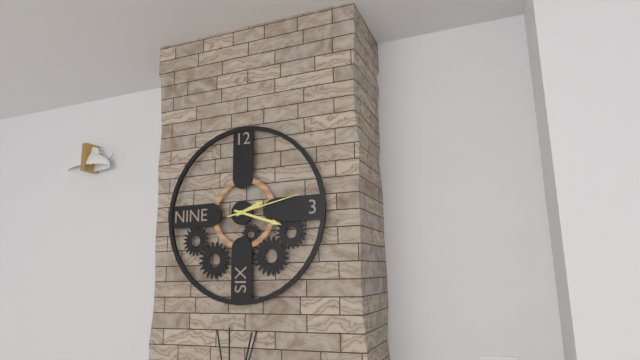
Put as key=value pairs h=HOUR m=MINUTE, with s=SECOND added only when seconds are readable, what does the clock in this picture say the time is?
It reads h=2 m=18 s=13
